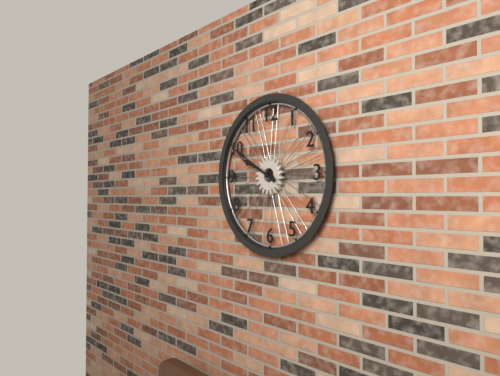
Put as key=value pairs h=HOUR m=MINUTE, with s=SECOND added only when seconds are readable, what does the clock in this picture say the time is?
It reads h=9 m=50
